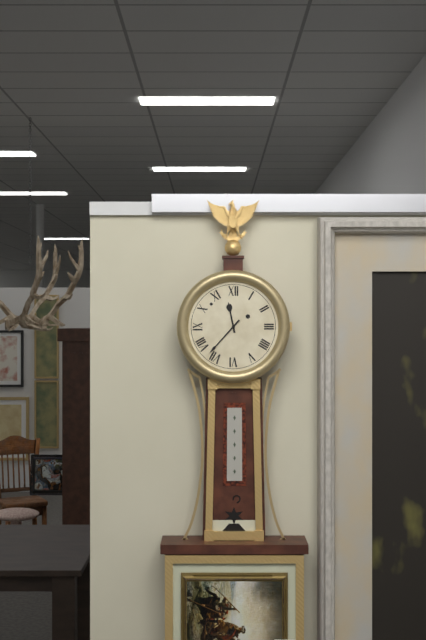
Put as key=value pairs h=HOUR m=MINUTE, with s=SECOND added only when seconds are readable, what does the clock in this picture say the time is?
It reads h=11 m=37
